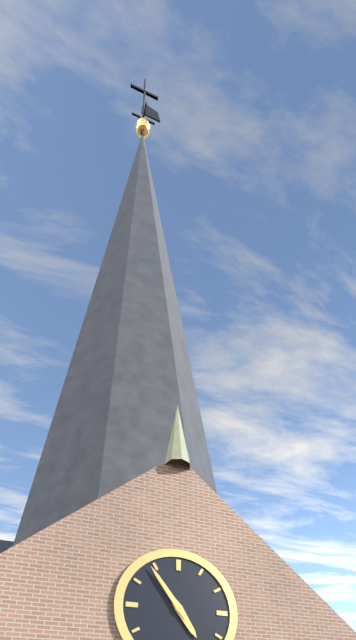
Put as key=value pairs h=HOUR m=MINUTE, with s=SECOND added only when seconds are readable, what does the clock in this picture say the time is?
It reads h=4 m=54
